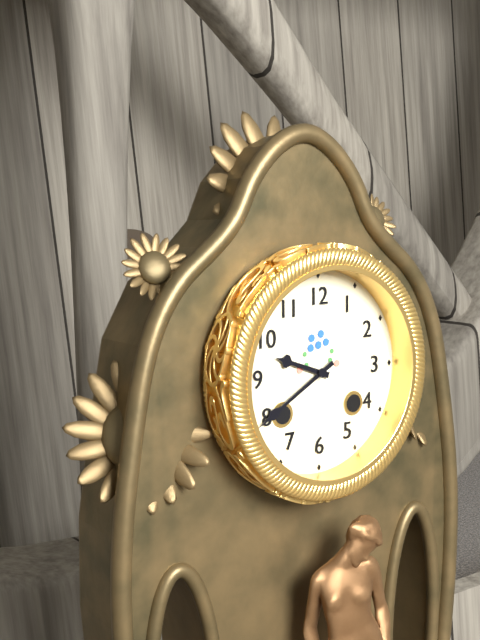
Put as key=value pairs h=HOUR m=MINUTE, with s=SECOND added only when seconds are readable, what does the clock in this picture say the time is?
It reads h=9 m=40
